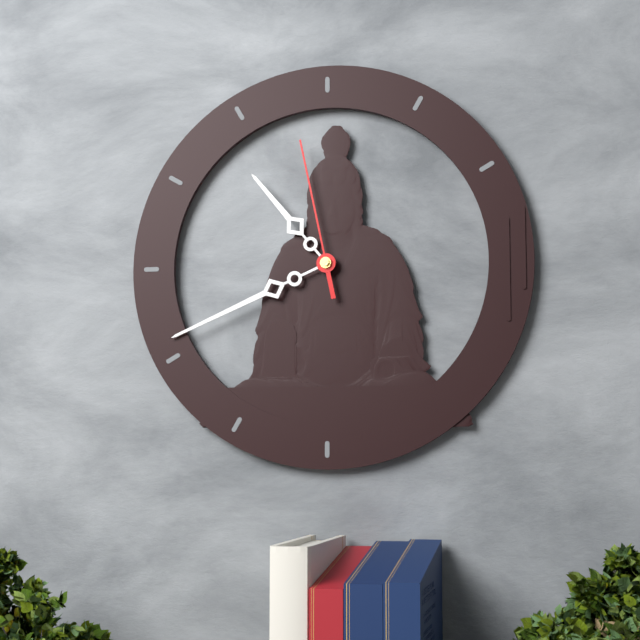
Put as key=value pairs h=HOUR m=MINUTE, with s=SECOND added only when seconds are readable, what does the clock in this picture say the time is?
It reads h=10 m=41 s=58
